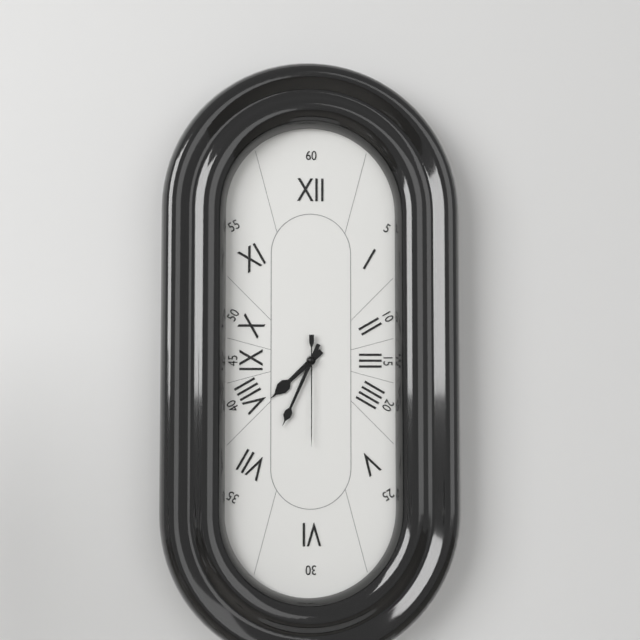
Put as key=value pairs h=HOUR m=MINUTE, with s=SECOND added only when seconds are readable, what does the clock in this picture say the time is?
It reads h=7 m=34 s=30
